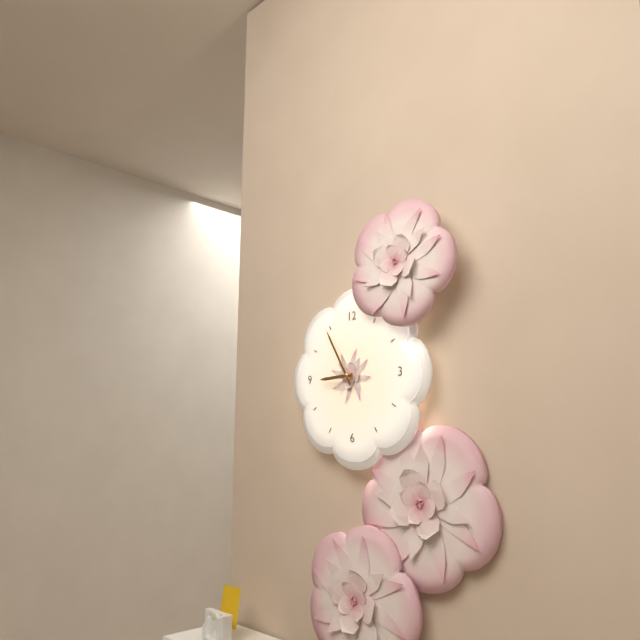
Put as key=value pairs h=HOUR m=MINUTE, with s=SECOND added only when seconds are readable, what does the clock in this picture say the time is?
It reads h=8 m=55
